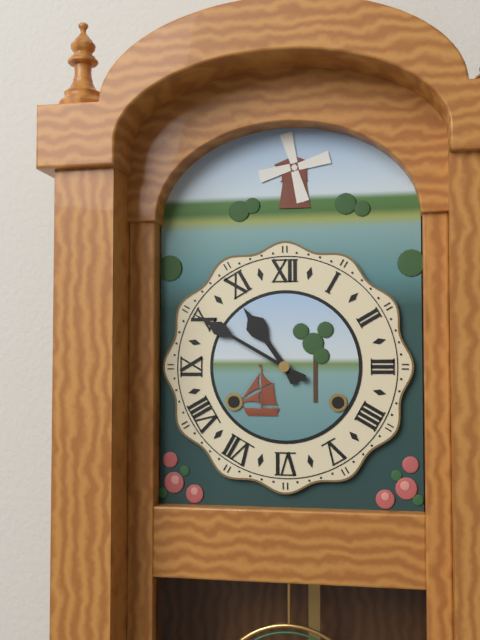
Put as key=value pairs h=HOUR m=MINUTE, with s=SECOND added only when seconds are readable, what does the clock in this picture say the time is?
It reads h=10 m=50
